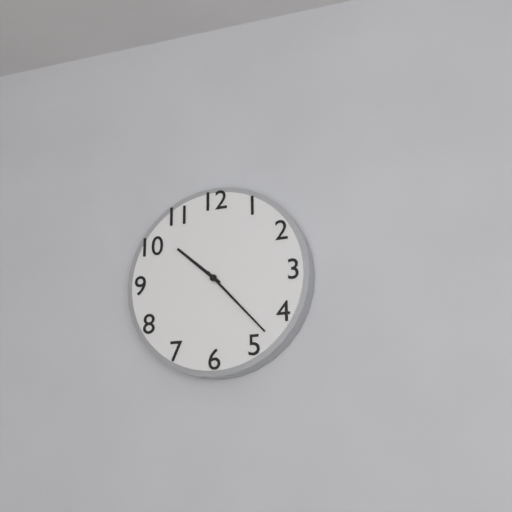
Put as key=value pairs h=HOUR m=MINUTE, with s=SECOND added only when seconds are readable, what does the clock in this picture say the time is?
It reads h=10 m=23
